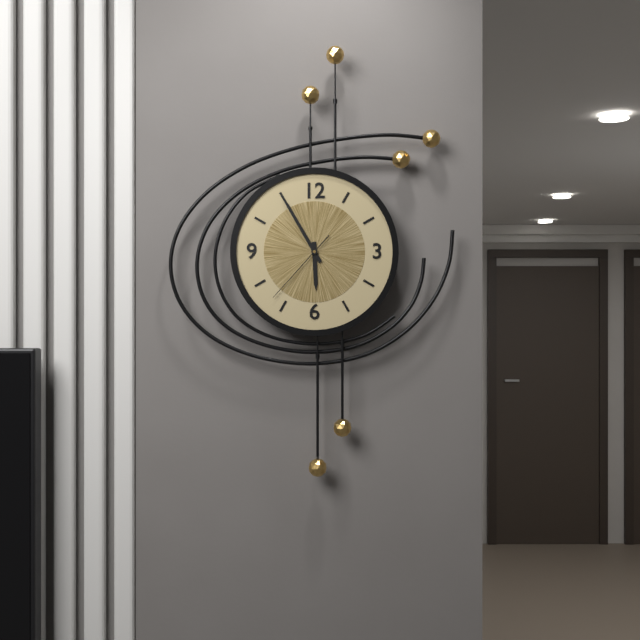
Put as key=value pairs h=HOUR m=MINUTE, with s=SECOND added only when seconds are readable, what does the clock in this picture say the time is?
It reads h=5 m=55 s=37
